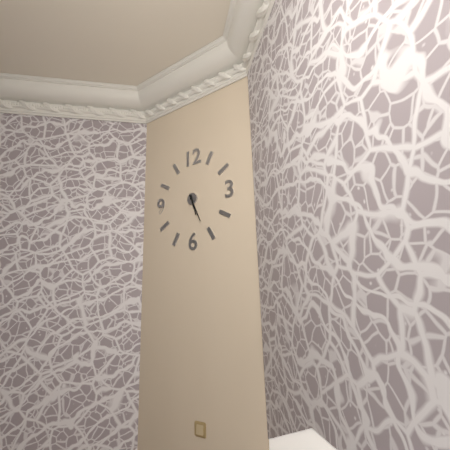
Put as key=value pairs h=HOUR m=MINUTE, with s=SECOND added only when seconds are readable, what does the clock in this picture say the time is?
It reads h=5 m=26
